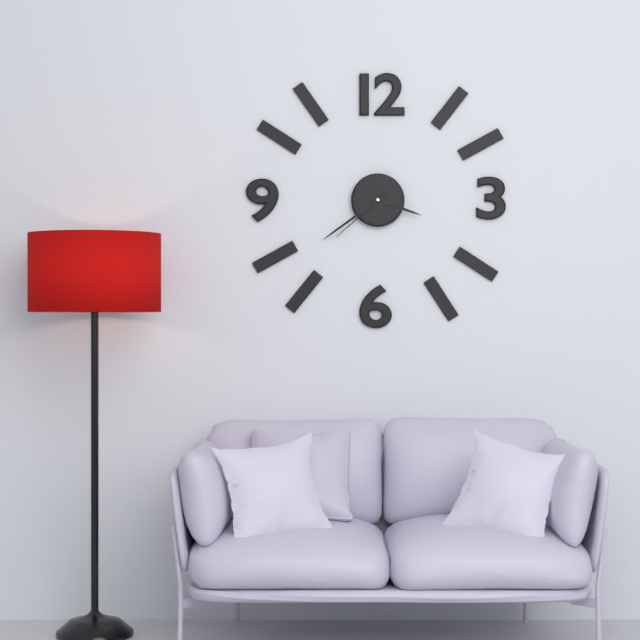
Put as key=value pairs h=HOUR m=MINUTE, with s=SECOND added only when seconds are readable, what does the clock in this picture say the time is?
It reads h=3 m=39 s=38
